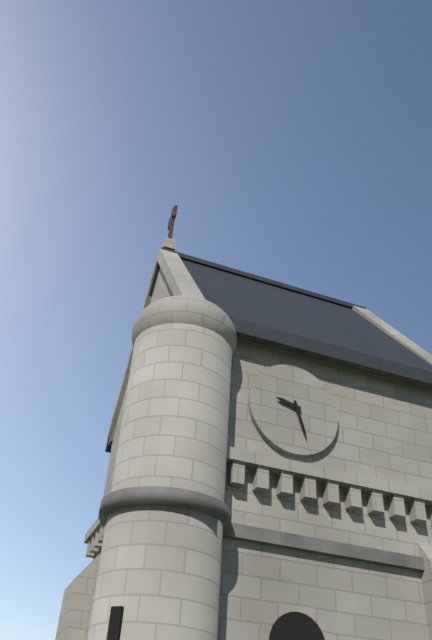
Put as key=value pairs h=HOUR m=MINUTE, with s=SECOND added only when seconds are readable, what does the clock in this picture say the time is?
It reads h=9 m=27
